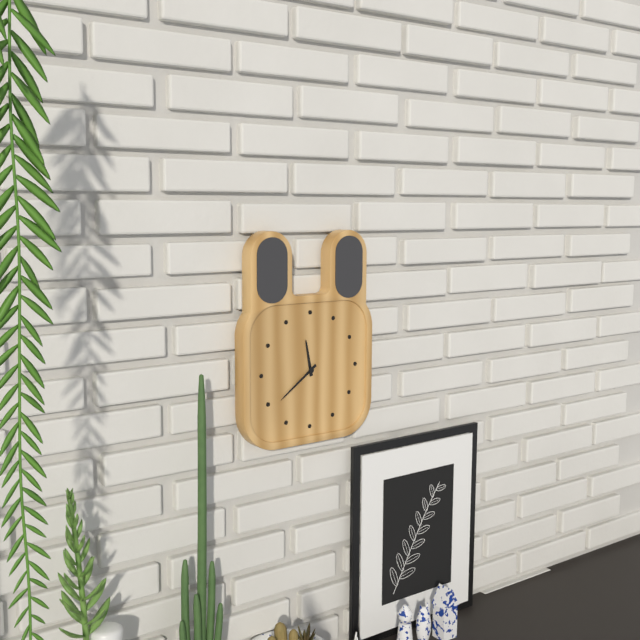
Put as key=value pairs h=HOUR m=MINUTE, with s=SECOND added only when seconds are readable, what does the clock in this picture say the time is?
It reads h=11 m=39
